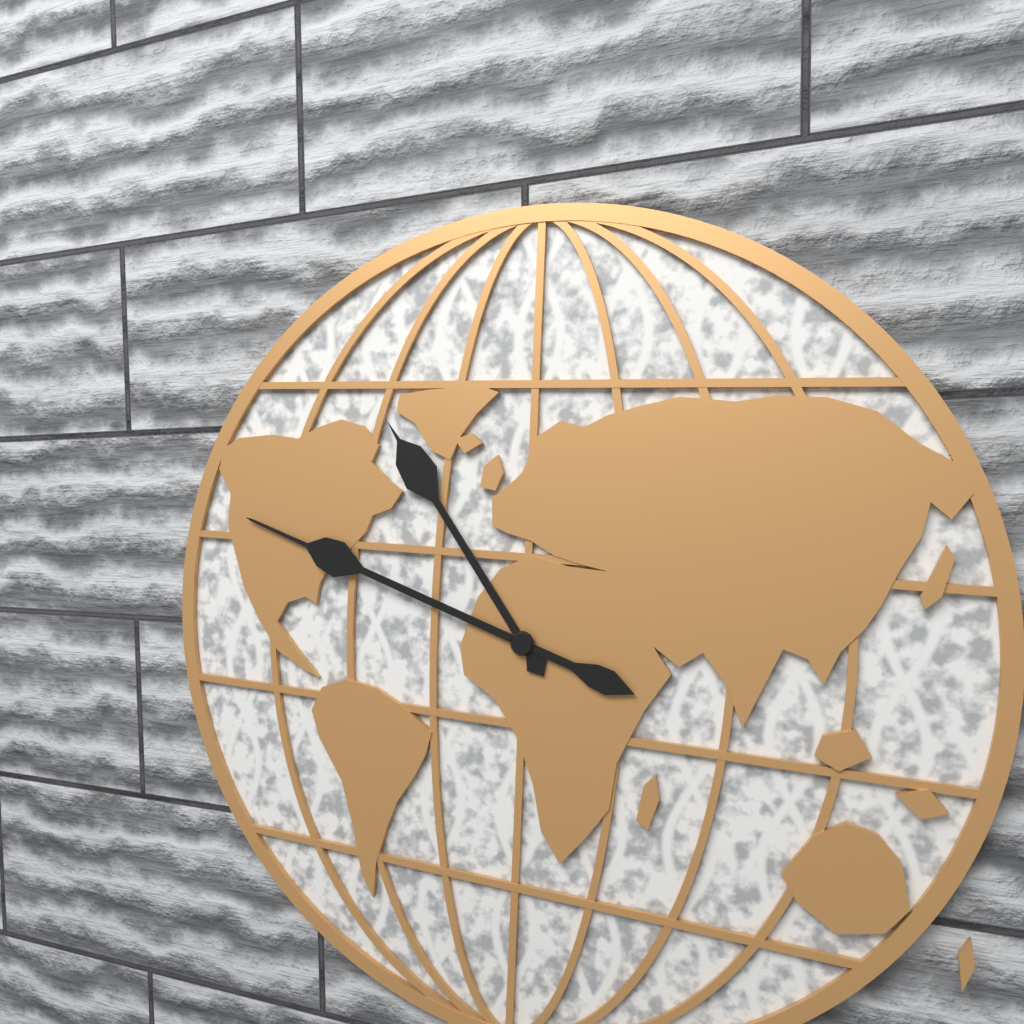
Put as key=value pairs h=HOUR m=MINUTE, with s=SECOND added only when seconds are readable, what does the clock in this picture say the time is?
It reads h=10 m=48
